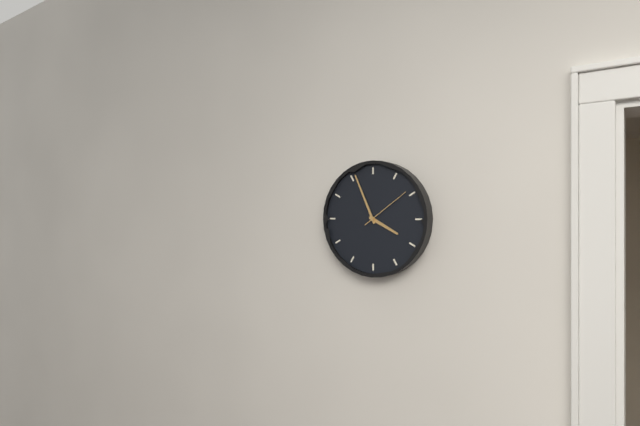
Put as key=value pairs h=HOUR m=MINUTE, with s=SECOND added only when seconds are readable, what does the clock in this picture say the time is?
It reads h=3 m=56
